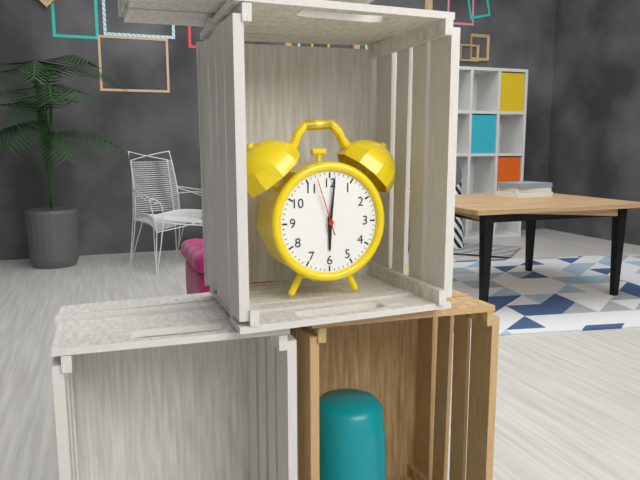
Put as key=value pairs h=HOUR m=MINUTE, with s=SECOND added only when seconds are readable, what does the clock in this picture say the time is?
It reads h=6 m=1 s=57
